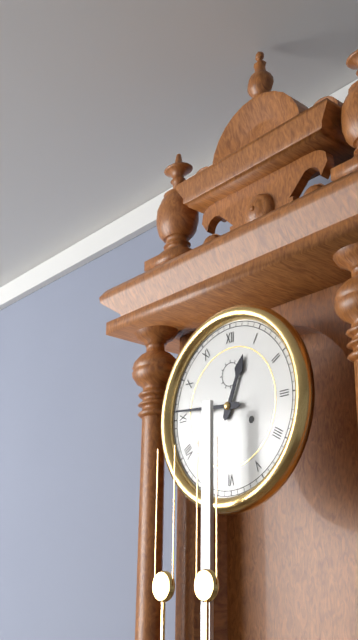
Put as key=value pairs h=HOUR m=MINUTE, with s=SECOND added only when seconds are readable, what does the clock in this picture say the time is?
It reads h=12 m=46
